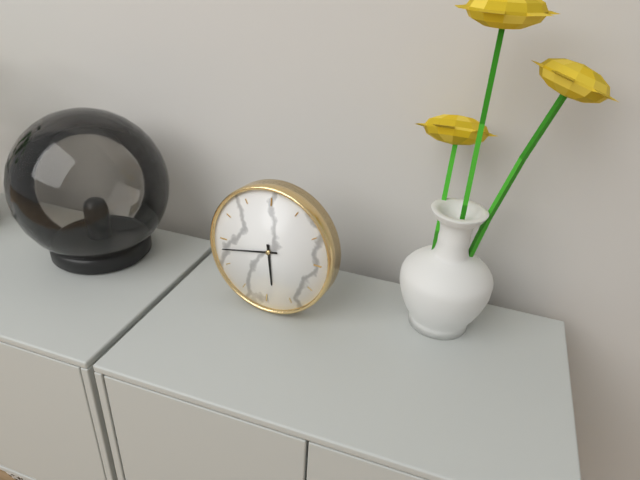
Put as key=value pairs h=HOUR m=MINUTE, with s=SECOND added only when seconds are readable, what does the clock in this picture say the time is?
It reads h=5 m=43
